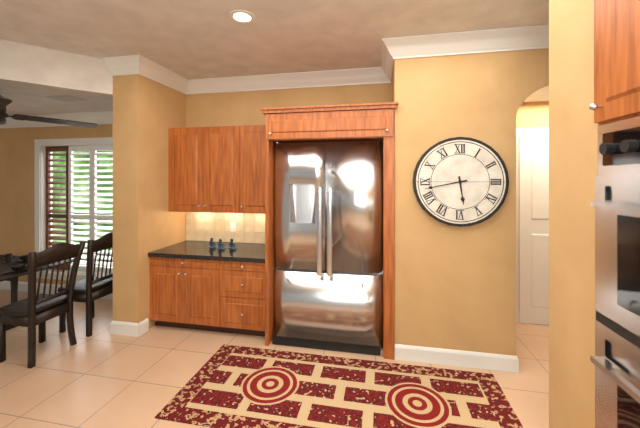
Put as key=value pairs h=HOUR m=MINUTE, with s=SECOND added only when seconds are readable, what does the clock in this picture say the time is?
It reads h=5 m=43
